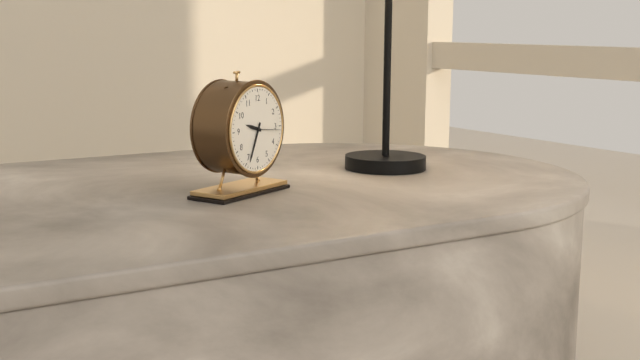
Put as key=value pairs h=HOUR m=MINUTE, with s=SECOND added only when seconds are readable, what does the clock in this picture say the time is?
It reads h=9 m=34
